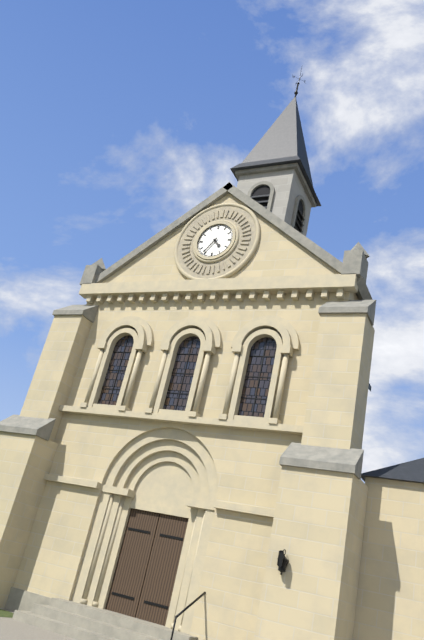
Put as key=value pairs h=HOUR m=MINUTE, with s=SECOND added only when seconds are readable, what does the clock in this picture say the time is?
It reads h=4 m=36
